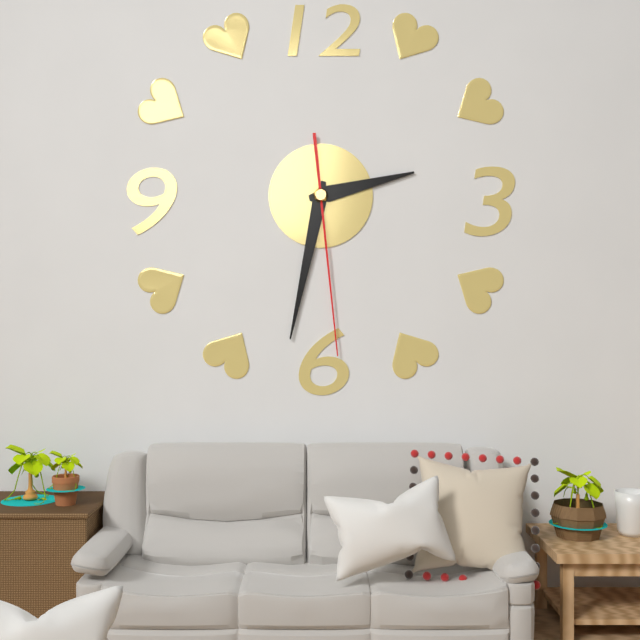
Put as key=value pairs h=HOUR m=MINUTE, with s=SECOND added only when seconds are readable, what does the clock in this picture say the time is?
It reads h=2 m=32 s=29
